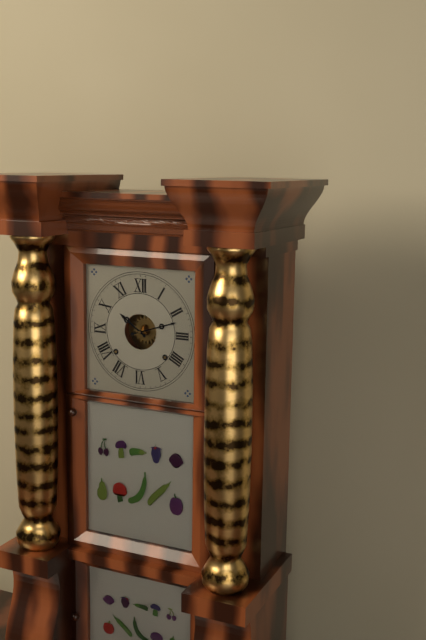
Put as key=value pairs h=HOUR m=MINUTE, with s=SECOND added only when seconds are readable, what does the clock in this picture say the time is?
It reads h=10 m=12
